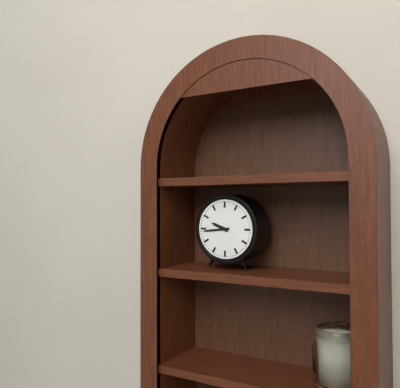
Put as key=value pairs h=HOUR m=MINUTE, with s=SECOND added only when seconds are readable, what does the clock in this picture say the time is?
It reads h=9 m=44
